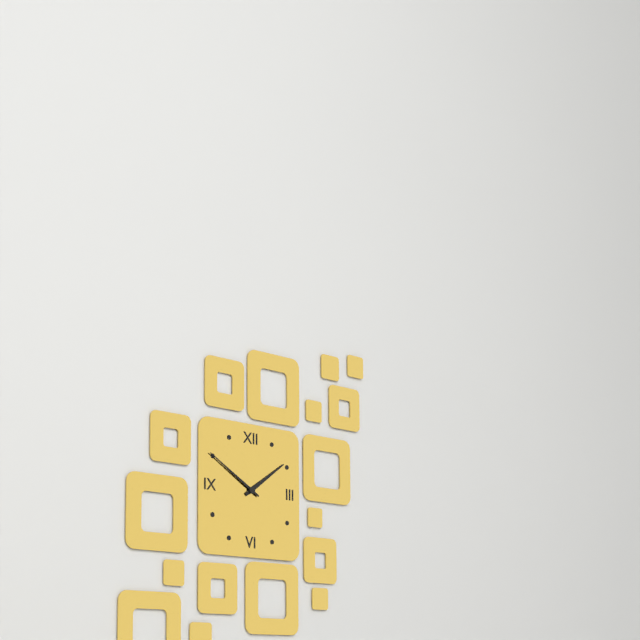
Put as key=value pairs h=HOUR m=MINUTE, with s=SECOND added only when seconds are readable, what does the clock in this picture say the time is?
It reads h=1 m=50
